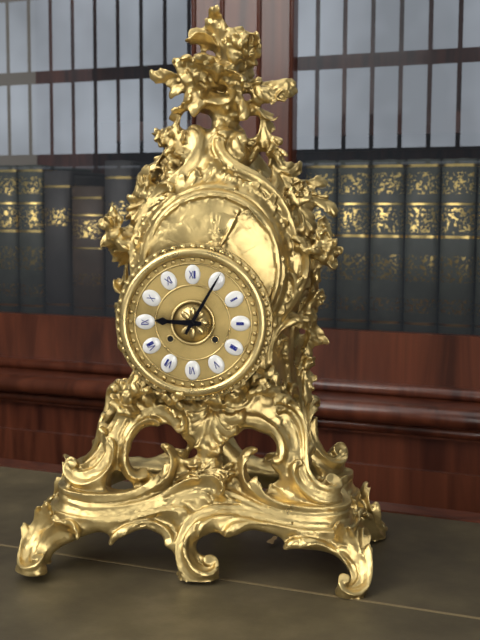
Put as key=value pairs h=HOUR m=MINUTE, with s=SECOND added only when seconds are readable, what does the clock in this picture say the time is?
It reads h=9 m=5
